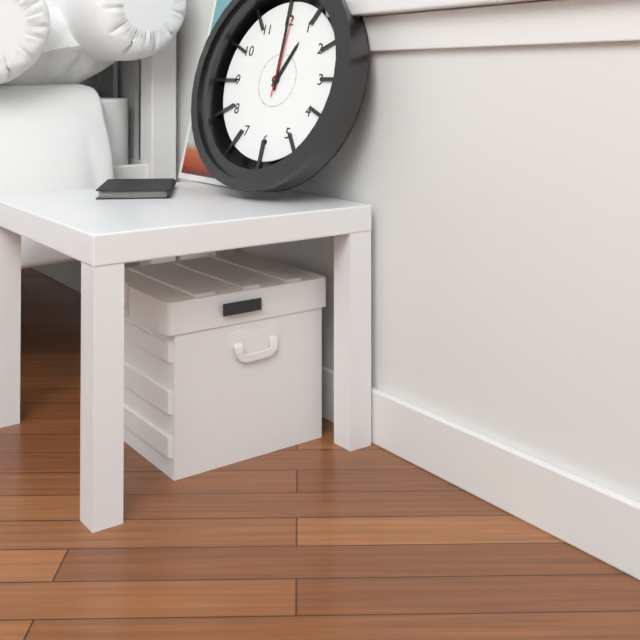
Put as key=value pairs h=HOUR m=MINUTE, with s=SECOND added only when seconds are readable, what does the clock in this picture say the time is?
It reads h=1 m=0 s=1
